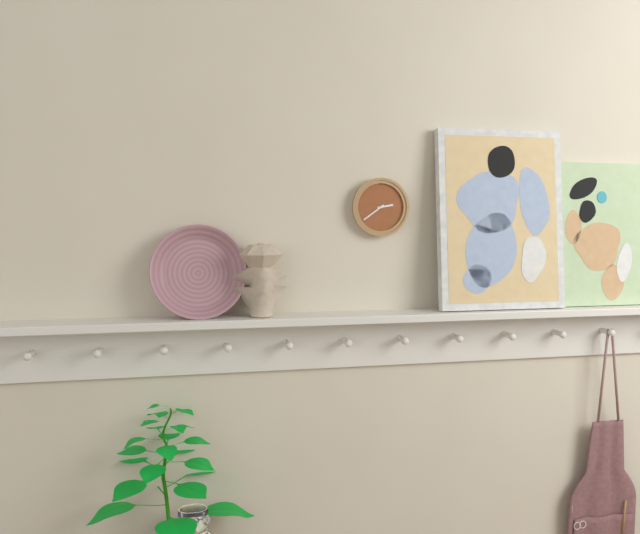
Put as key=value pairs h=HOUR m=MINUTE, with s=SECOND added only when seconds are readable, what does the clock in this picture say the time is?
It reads h=2 m=39
